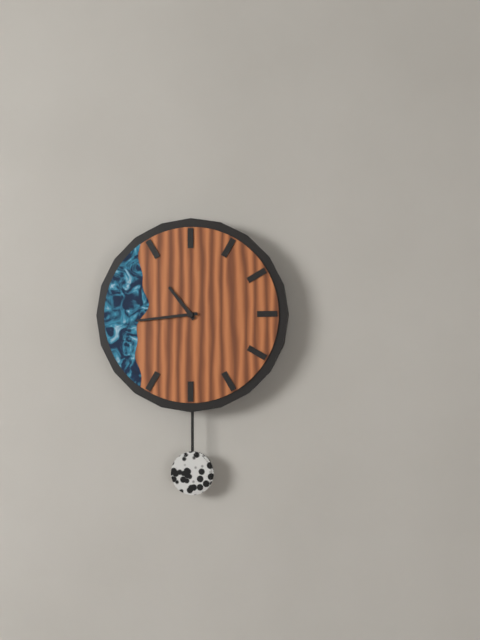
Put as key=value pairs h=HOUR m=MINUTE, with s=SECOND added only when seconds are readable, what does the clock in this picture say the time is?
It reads h=10 m=44
